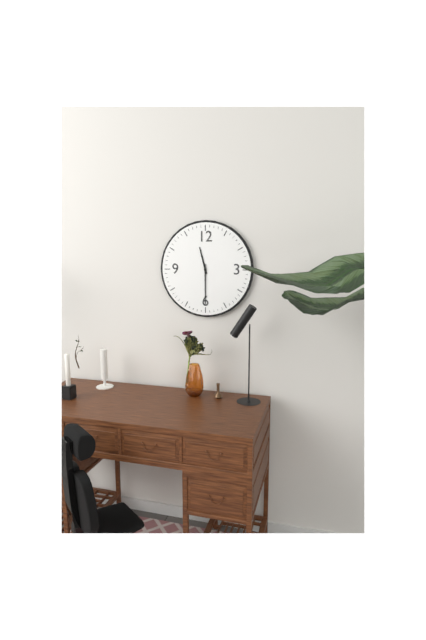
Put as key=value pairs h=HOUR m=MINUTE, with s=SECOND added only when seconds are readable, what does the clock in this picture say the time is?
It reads h=11 m=30
